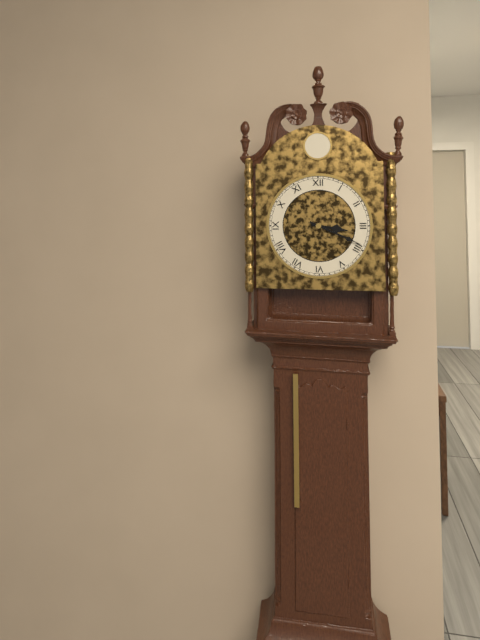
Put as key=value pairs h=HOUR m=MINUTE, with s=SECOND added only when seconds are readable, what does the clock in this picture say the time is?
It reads h=3 m=19
